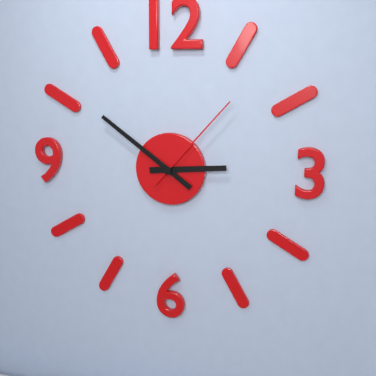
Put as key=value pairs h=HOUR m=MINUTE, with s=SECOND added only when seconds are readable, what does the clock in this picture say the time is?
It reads h=2 m=51 s=7
